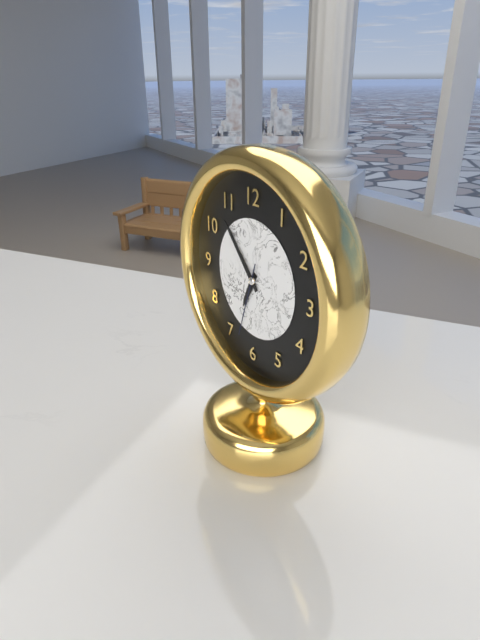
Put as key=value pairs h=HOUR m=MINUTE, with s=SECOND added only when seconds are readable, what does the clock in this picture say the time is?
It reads h=6 m=53 s=33
